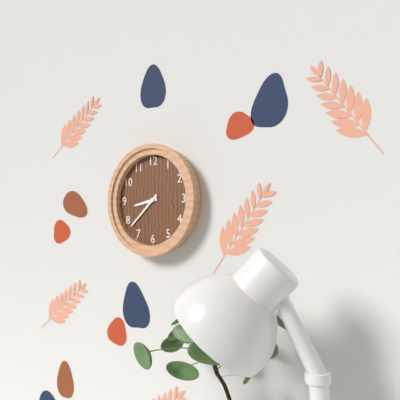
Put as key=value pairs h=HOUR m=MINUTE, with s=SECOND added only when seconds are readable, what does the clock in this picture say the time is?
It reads h=8 m=38
